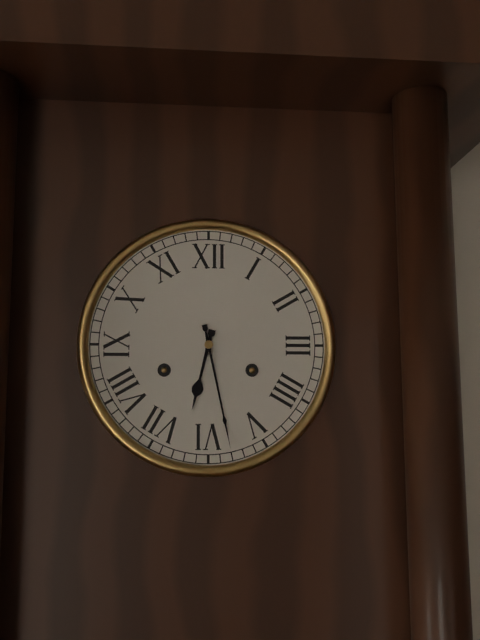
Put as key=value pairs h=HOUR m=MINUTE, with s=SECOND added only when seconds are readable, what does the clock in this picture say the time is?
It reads h=6 m=28
